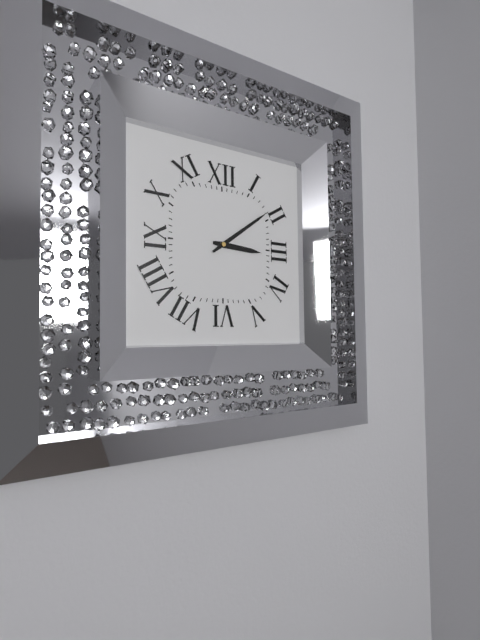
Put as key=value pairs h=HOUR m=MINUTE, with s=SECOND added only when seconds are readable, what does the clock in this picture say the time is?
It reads h=3 m=9
